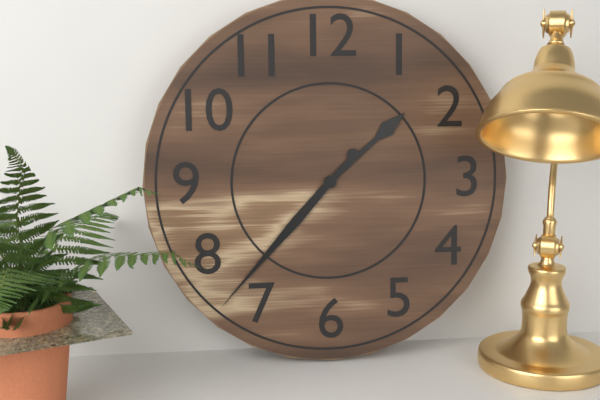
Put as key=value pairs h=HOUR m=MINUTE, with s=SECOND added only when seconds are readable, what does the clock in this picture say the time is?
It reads h=1 m=37
